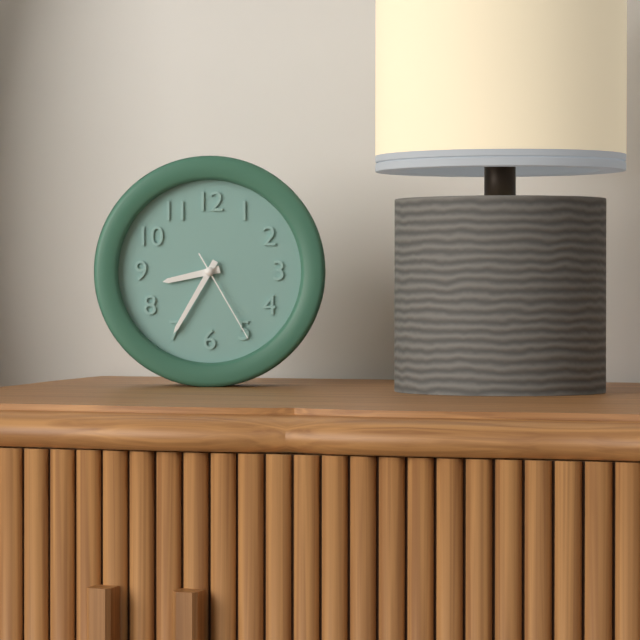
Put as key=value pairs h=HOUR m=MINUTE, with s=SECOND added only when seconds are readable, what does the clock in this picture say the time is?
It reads h=8 m=35 s=25
